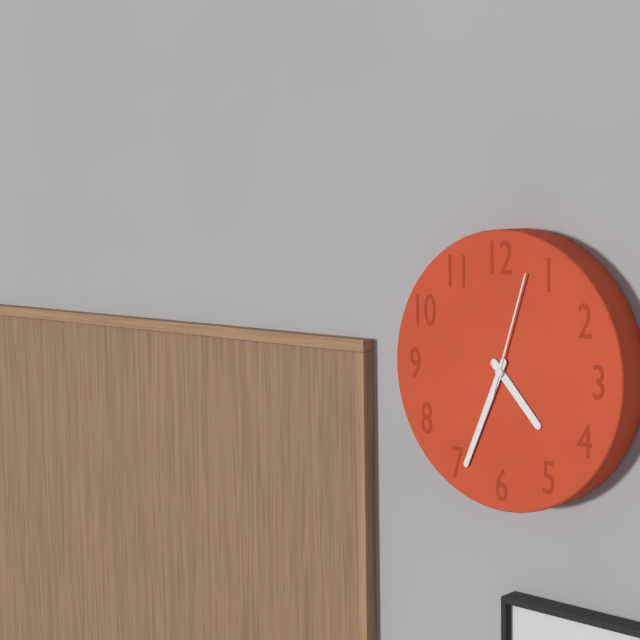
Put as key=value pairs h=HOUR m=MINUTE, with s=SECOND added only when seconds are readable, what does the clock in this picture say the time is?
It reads h=4 m=34 s=3
